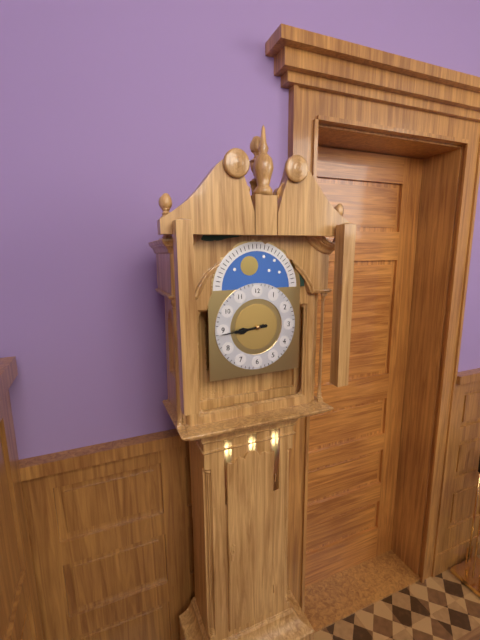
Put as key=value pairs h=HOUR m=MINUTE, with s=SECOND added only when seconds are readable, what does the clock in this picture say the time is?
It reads h=8 m=44
